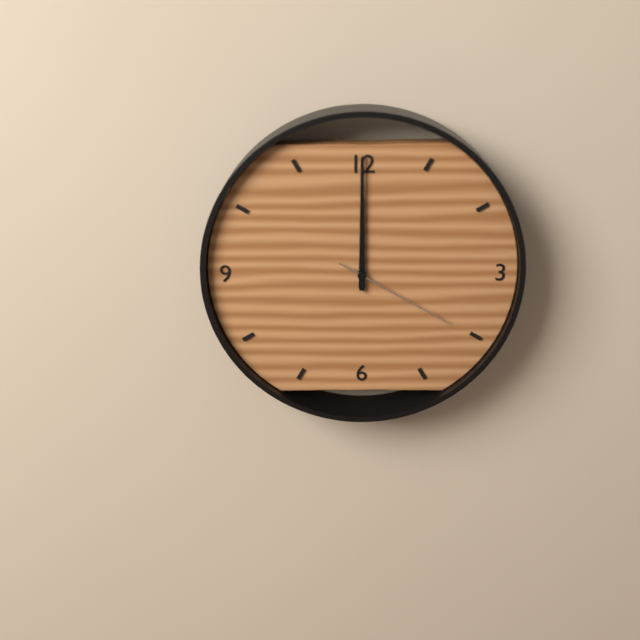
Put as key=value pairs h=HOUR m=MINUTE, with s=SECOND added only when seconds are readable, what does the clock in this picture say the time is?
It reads h=12 m=0 s=20
